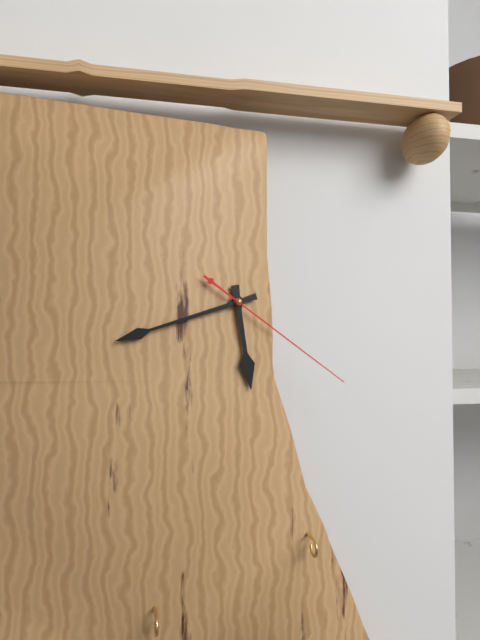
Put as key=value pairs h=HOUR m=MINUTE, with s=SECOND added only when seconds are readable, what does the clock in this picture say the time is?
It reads h=5 m=42 s=21
